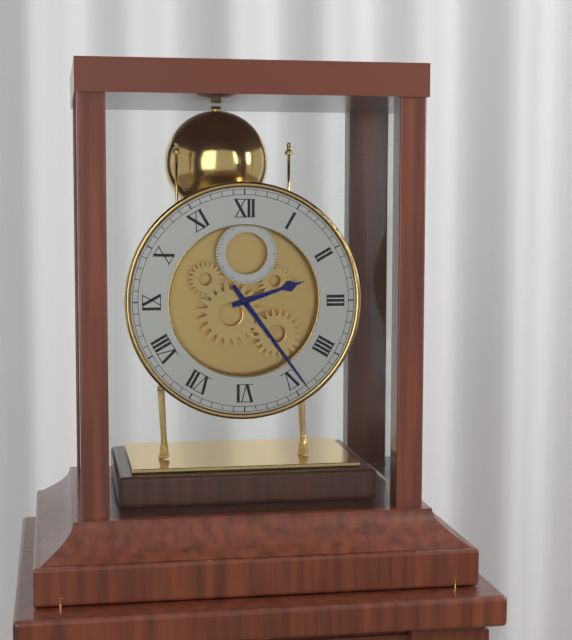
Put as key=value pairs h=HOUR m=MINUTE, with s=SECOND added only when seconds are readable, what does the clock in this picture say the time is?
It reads h=2 m=24
